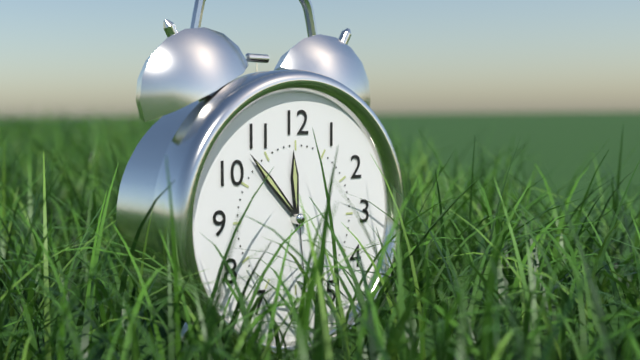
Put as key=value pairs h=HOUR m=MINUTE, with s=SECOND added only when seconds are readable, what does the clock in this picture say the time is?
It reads h=11 m=53
